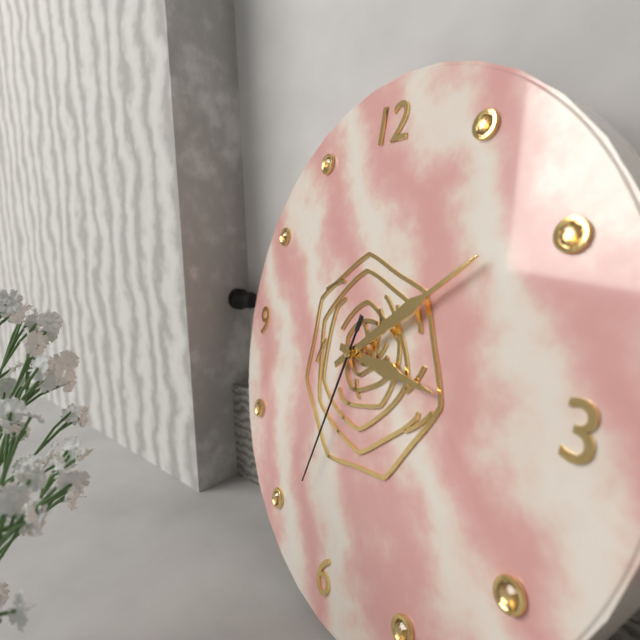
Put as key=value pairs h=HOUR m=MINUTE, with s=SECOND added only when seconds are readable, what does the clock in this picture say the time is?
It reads h=3 m=9 s=33
